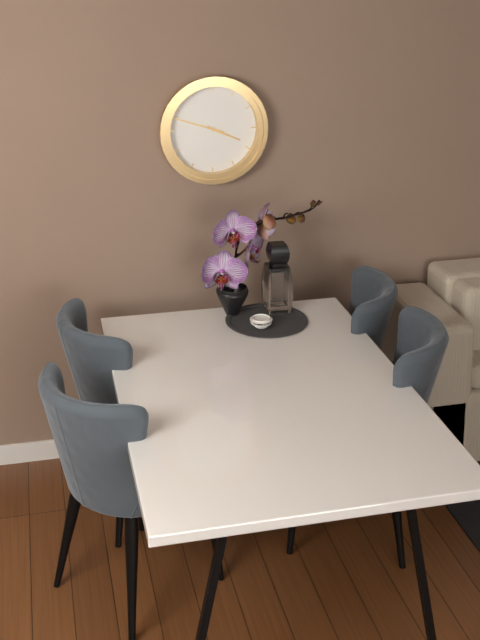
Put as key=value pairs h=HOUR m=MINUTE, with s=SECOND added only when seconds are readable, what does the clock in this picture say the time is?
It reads h=3 m=48
